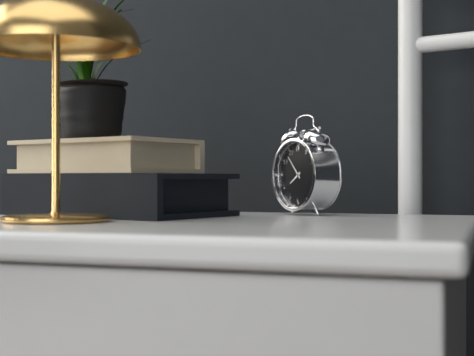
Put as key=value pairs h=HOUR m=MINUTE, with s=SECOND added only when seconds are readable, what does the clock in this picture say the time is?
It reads h=7 m=53
